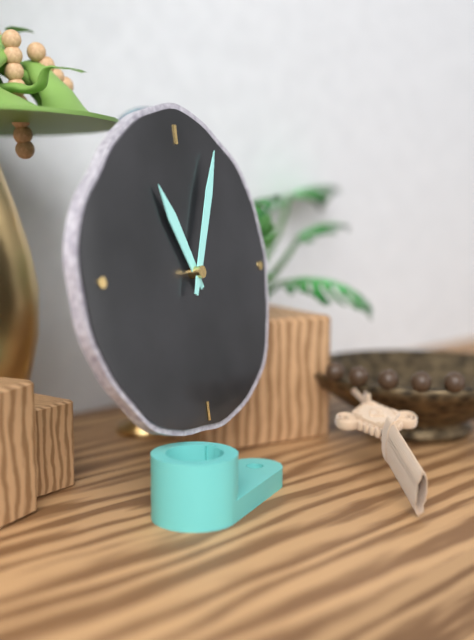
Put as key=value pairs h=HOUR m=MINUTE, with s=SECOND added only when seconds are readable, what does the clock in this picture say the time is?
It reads h=11 m=4
